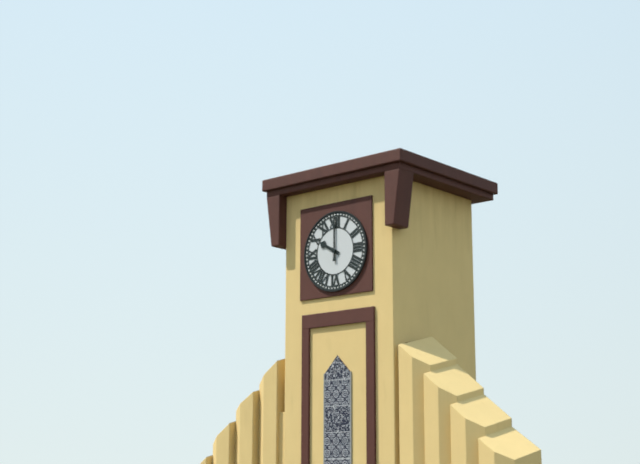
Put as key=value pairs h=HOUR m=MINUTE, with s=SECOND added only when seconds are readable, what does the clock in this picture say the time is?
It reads h=10 m=0
